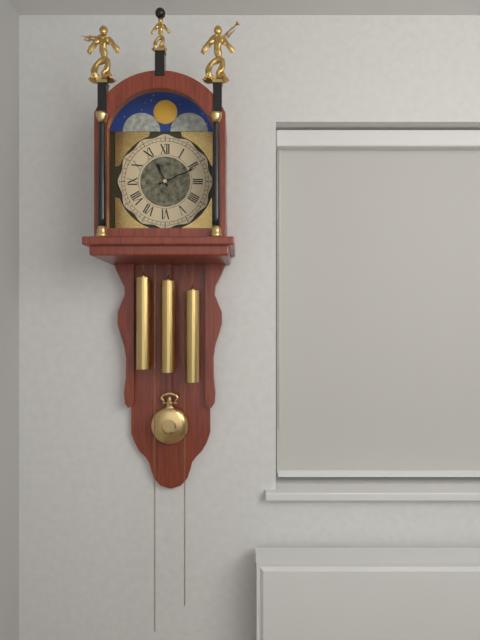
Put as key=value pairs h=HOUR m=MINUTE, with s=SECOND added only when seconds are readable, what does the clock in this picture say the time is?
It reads h=11 m=11
